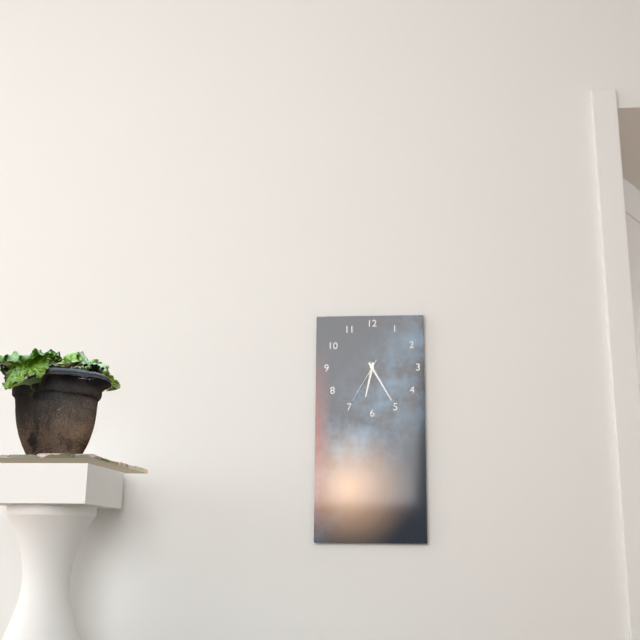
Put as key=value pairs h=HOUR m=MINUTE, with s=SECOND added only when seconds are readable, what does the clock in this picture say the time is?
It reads h=6 m=25
